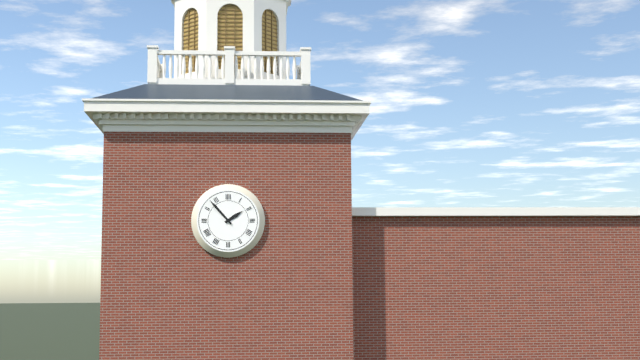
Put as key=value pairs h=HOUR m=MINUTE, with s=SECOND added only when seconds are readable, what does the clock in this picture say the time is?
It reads h=1 m=53
